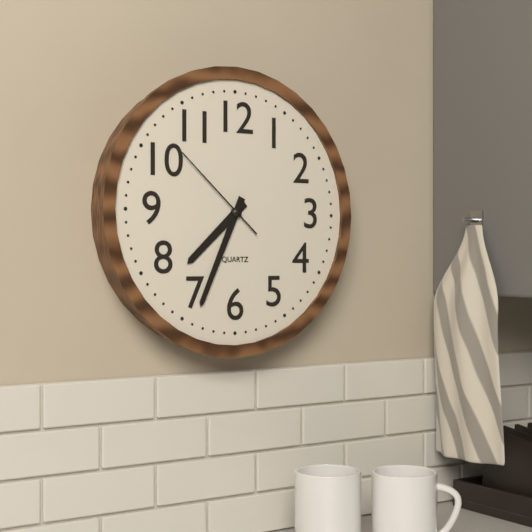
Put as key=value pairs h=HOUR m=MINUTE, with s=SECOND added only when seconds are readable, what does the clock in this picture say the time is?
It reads h=7 m=34 s=52
